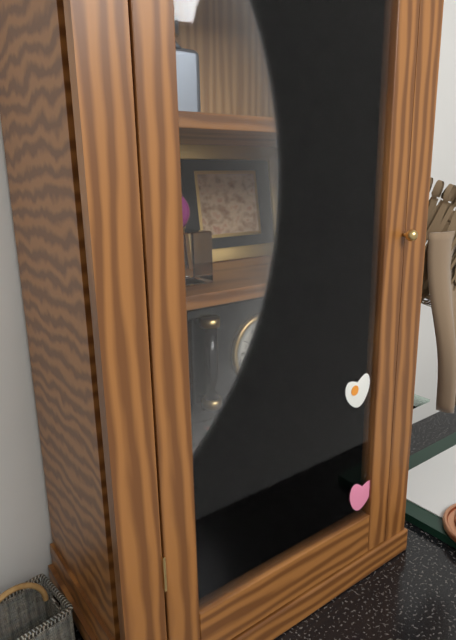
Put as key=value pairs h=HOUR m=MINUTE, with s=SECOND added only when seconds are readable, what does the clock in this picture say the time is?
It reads h=10 m=22
